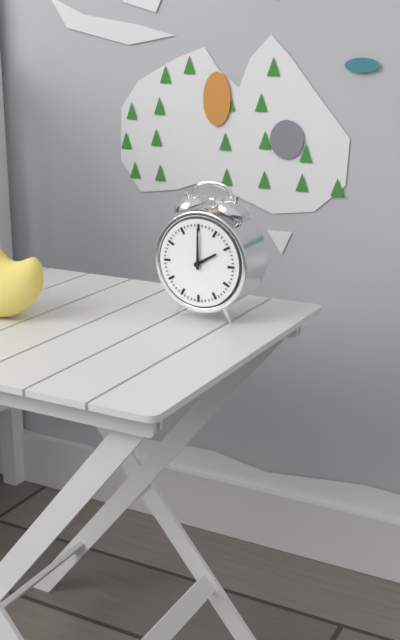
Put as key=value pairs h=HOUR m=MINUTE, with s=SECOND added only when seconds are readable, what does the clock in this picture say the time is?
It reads h=2 m=0
